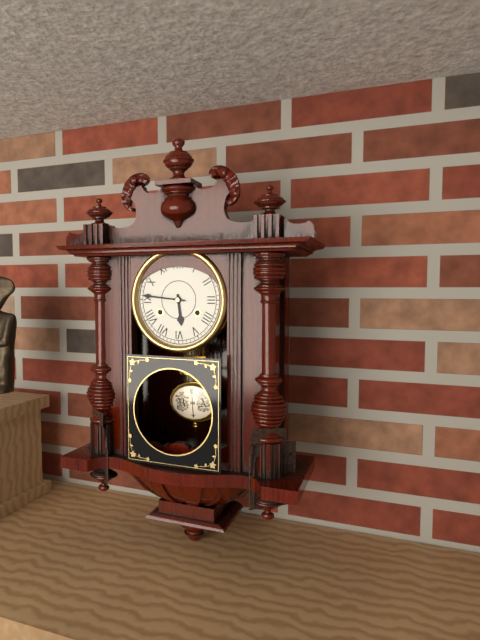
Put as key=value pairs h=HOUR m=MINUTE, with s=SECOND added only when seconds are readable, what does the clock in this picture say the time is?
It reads h=5 m=46
